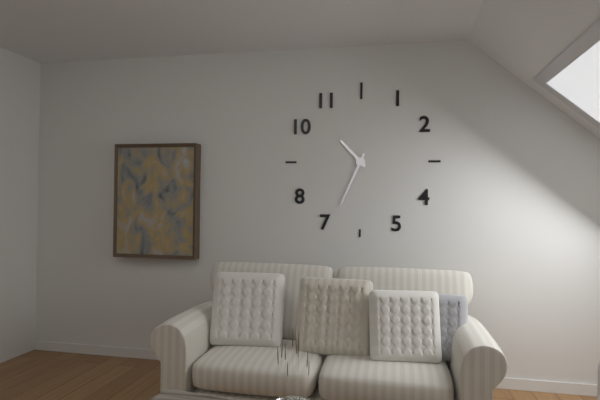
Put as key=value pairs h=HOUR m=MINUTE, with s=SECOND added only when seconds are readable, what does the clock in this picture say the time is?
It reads h=10 m=34
